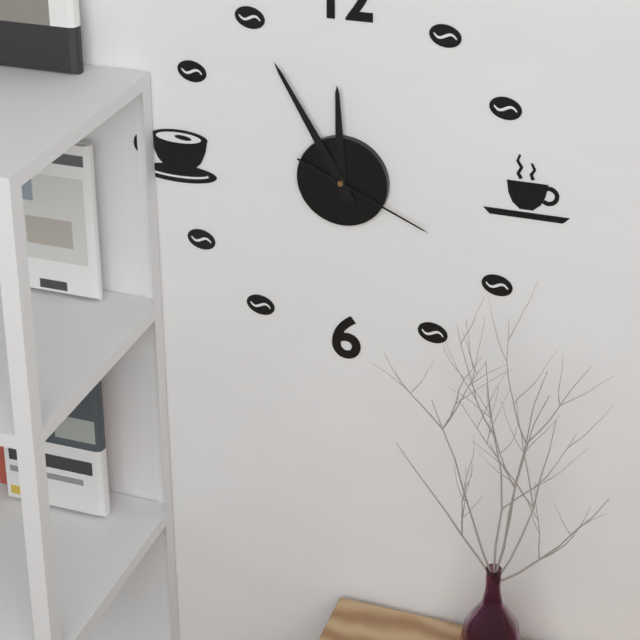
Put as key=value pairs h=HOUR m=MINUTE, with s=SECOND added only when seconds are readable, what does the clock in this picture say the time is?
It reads h=11 m=55 s=19
